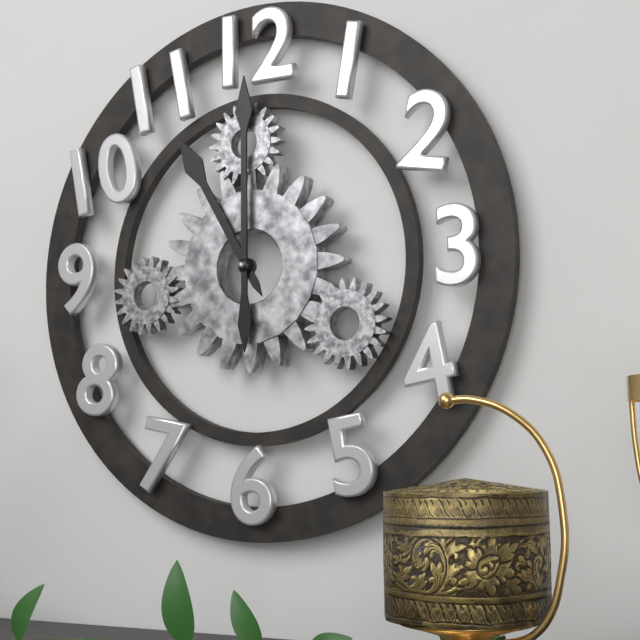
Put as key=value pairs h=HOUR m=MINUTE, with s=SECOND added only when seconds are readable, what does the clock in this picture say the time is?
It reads h=11 m=0
